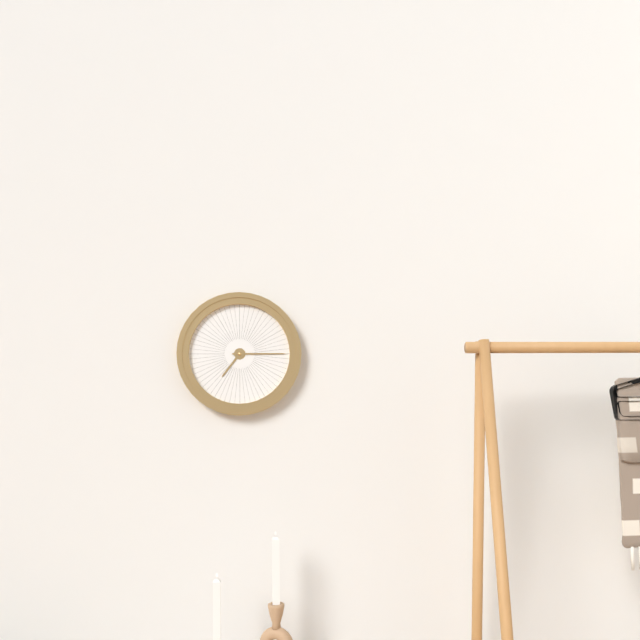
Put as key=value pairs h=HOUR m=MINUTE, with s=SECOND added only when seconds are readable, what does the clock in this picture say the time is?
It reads h=7 m=15
